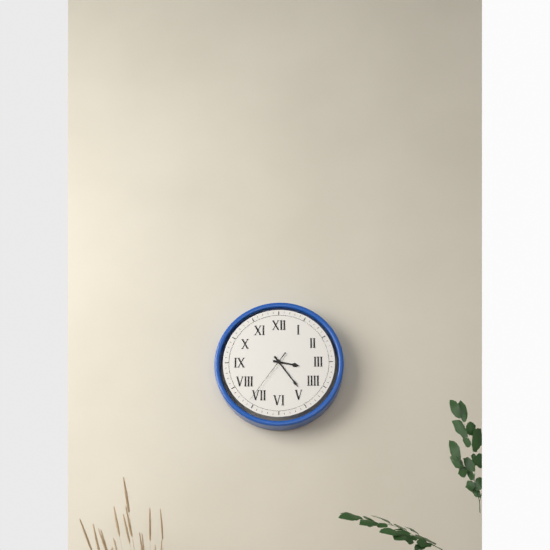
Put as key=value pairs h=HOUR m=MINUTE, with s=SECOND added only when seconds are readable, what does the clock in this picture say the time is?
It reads h=3 m=24 s=36
